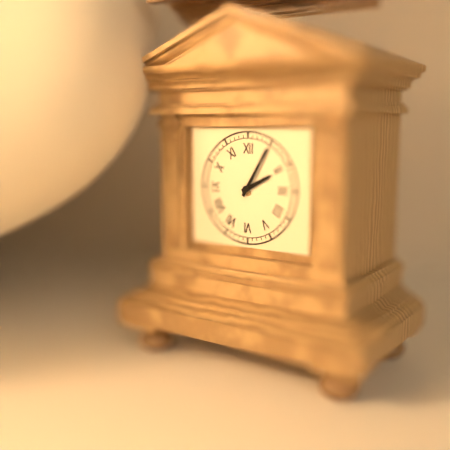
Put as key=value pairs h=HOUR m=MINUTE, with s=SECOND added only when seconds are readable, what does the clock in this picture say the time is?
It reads h=2 m=5
